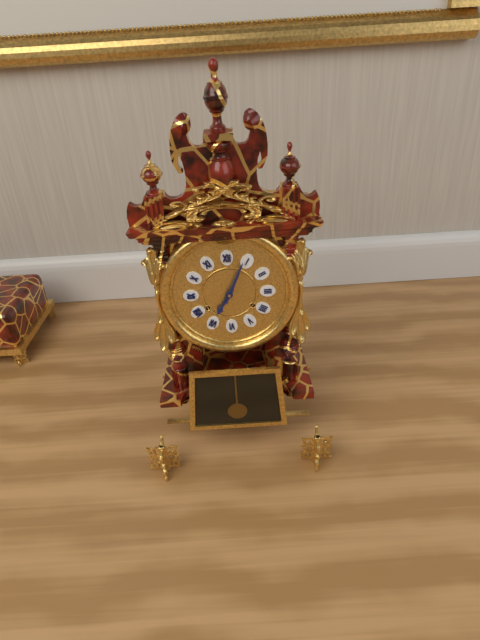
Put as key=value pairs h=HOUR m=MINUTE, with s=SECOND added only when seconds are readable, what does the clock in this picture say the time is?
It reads h=7 m=4
